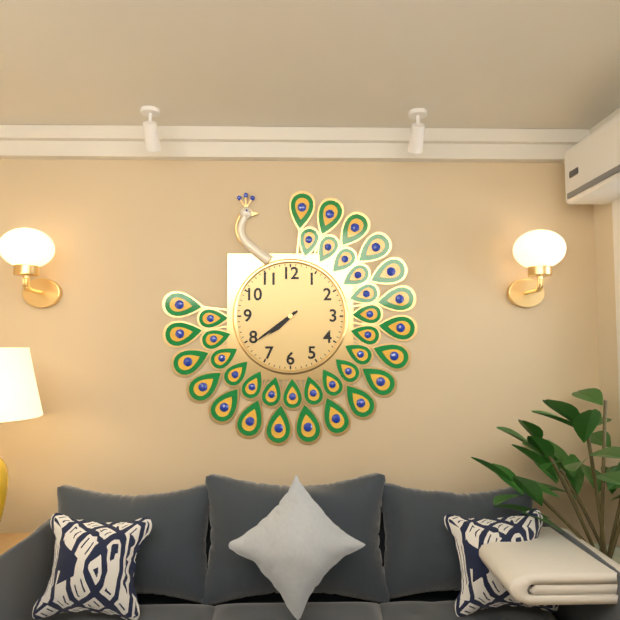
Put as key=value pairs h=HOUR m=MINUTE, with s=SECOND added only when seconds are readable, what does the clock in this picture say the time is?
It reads h=7 m=39
